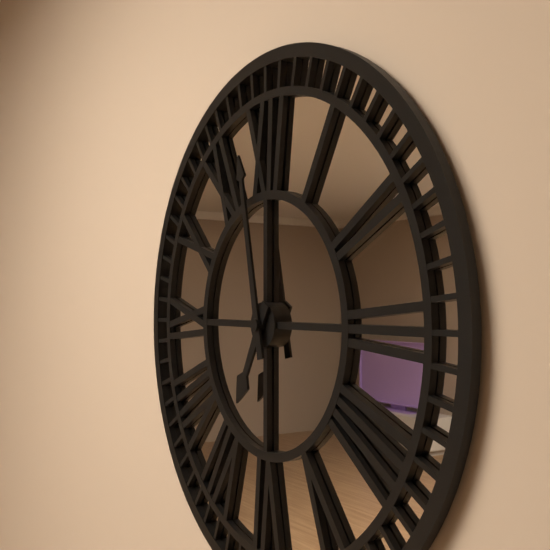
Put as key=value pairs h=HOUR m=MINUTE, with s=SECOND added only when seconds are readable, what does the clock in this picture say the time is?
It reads h=6 m=58
